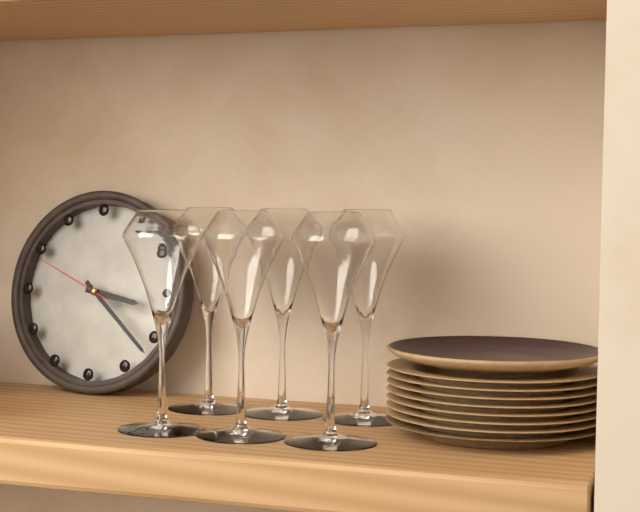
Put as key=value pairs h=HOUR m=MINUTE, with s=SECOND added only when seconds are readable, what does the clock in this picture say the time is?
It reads h=3 m=22 s=49
